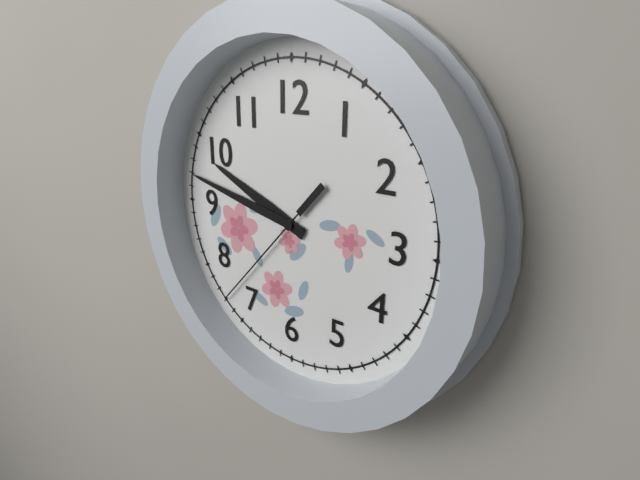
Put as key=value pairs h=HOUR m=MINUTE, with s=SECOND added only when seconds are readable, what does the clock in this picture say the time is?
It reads h=9 m=47 s=37
